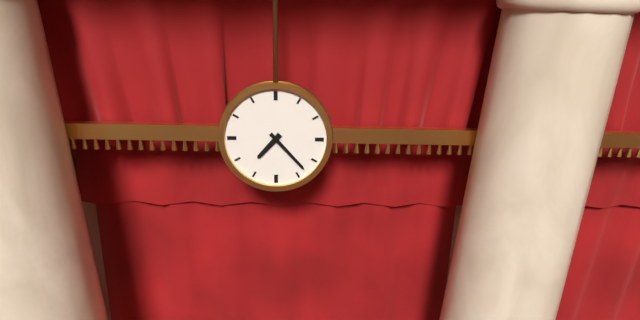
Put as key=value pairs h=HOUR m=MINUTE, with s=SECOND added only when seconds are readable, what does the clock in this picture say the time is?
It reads h=7 m=23
